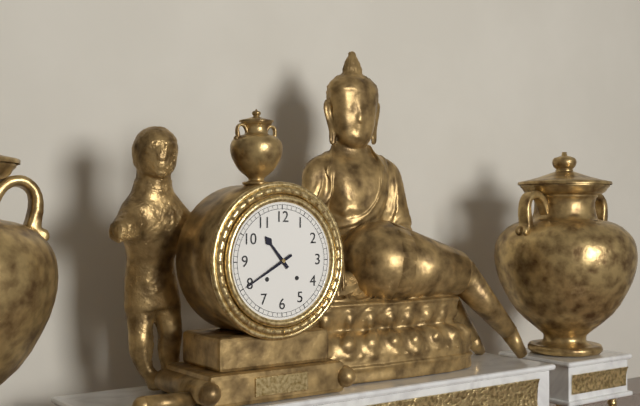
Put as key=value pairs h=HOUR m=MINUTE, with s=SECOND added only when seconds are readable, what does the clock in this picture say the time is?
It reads h=10 m=40
